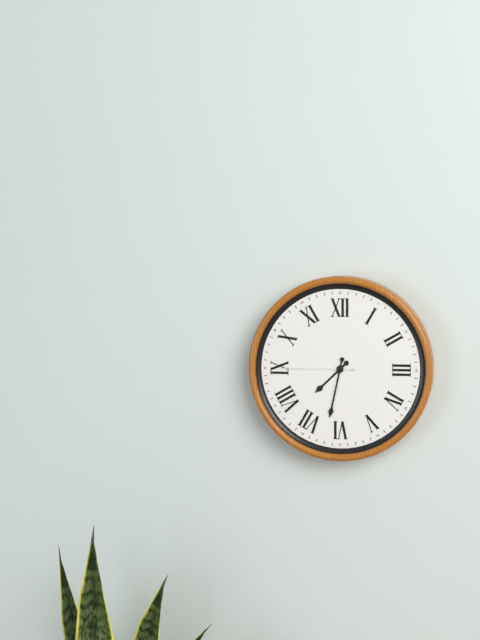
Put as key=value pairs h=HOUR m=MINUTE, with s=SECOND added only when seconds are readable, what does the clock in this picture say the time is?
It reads h=7 m=32 s=45
